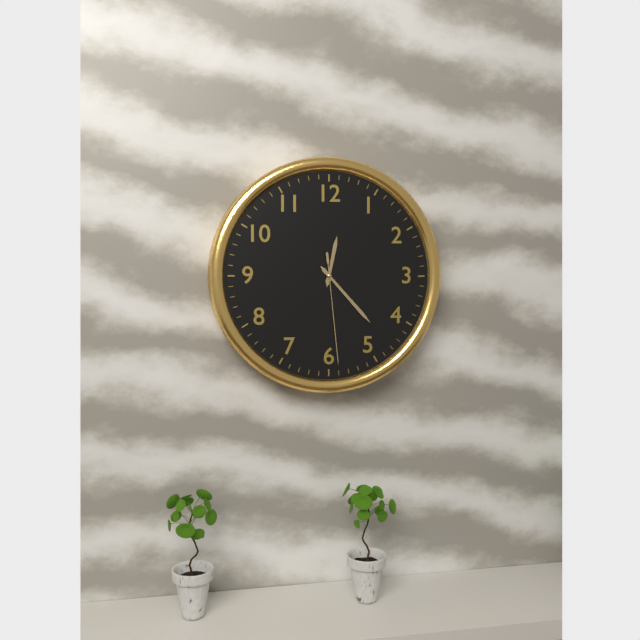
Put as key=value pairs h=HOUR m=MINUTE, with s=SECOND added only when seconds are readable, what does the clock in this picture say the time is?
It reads h=12 m=23 s=29
